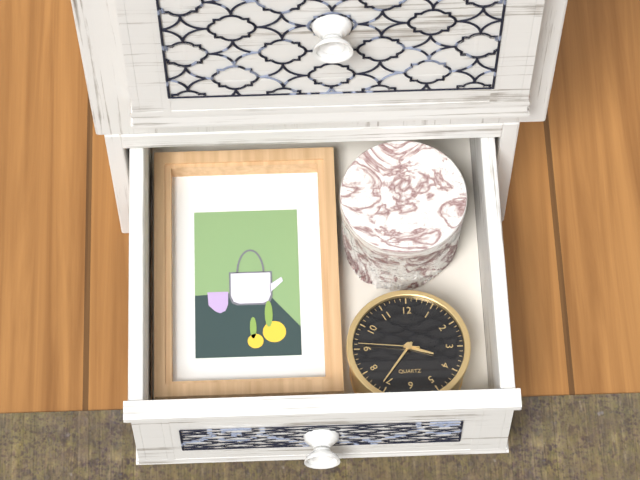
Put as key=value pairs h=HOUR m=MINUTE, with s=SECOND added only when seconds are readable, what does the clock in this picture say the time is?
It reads h=3 m=36 s=46
